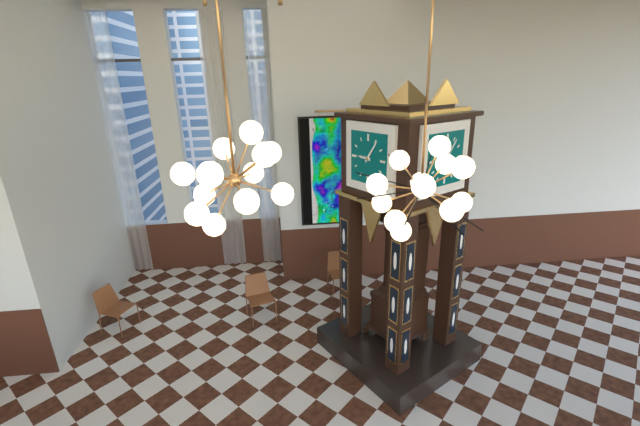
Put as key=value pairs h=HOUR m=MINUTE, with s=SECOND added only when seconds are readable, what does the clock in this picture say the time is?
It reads h=9 m=6
